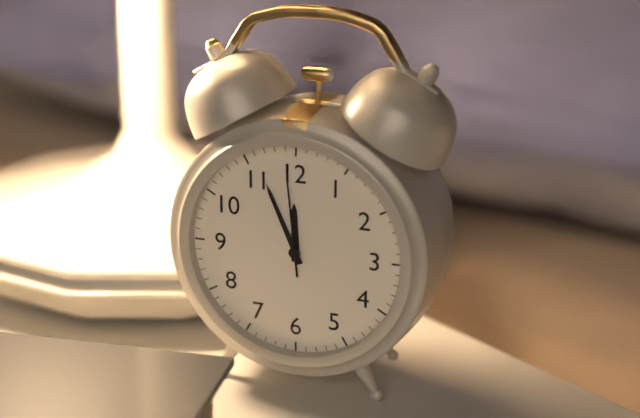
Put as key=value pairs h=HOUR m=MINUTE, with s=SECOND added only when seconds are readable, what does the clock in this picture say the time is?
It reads h=11 m=56 s=59
